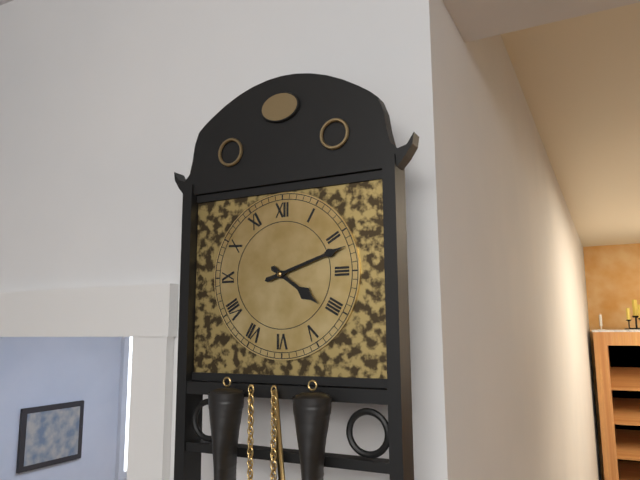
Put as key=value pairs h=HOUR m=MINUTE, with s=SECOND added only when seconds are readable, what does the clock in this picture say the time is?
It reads h=4 m=12
